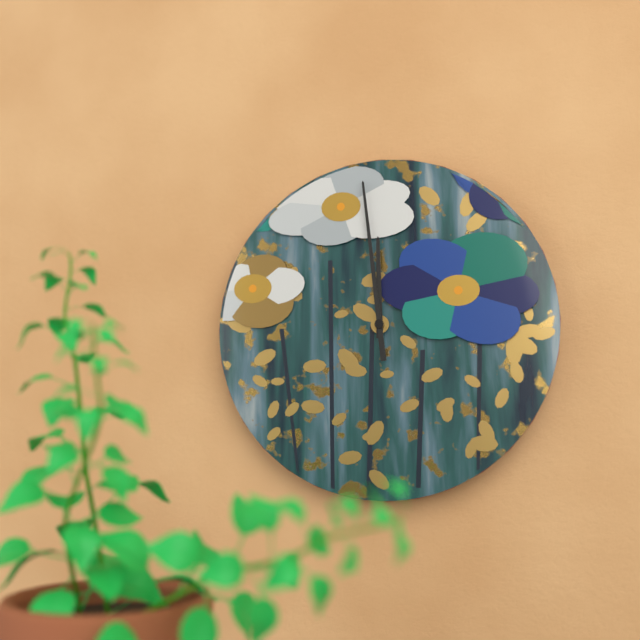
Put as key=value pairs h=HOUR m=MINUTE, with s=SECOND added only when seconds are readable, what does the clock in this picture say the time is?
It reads h=11 m=59
